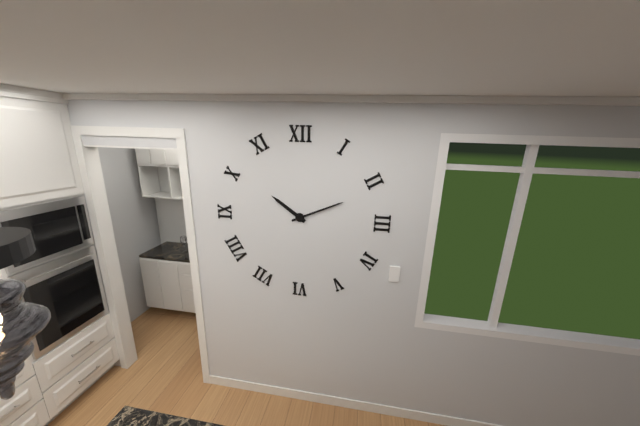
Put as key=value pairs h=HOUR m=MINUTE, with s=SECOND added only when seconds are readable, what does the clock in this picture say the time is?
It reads h=10 m=11
